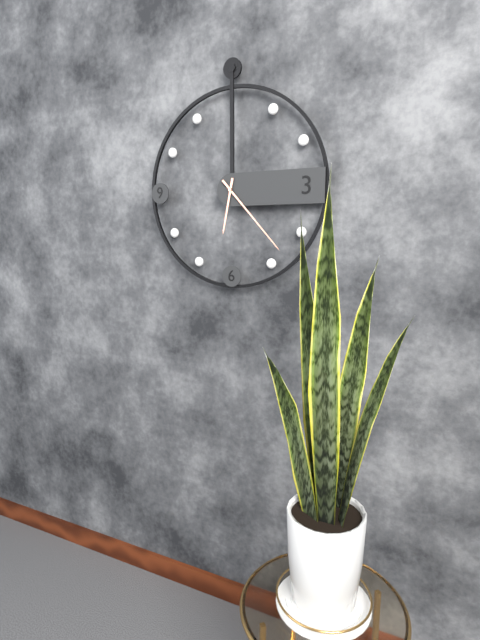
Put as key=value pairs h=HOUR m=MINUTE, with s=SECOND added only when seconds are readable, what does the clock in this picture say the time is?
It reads h=6 m=23
